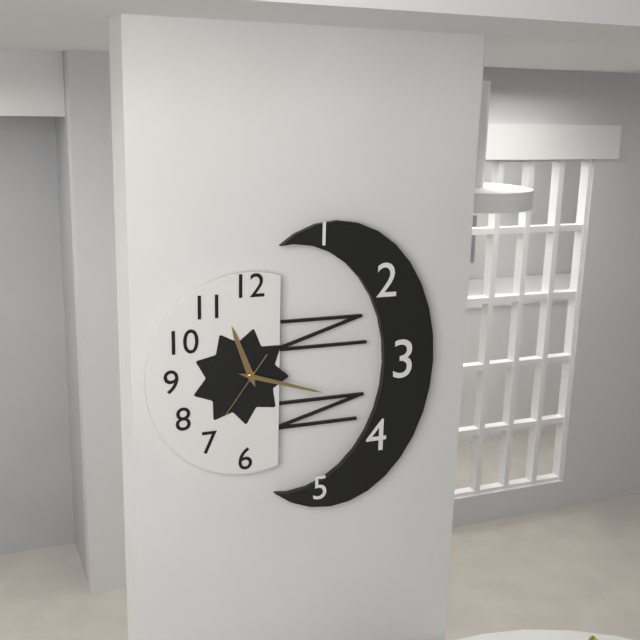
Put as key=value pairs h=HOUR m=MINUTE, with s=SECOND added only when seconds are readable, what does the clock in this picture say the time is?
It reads h=11 m=18 s=36
